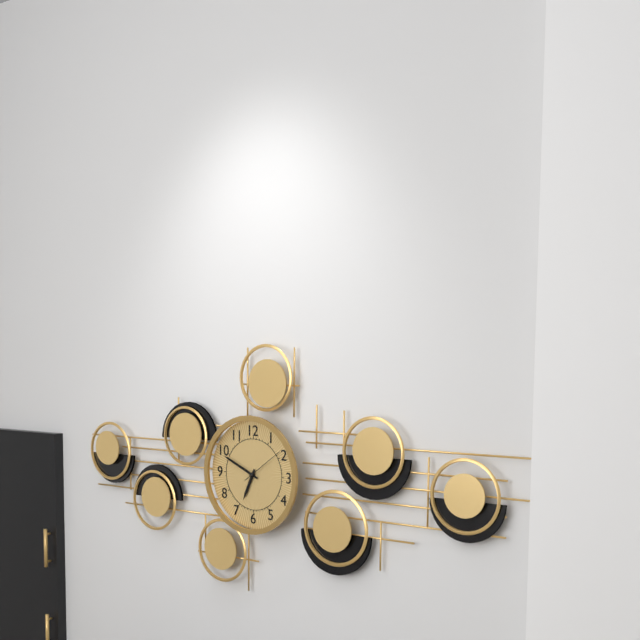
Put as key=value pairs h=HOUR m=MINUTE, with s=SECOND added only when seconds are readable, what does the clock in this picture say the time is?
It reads h=6 m=49
